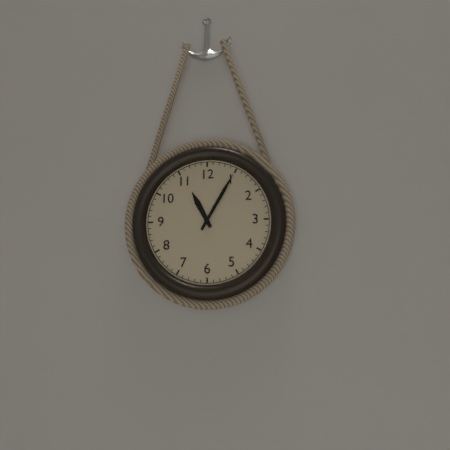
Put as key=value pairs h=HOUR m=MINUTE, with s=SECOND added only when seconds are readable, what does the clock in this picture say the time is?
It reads h=11 m=5
